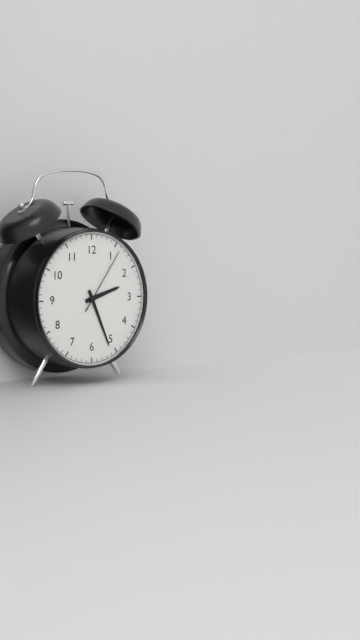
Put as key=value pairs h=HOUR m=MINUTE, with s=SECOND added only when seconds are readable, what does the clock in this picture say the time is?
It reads h=2 m=26 s=6
